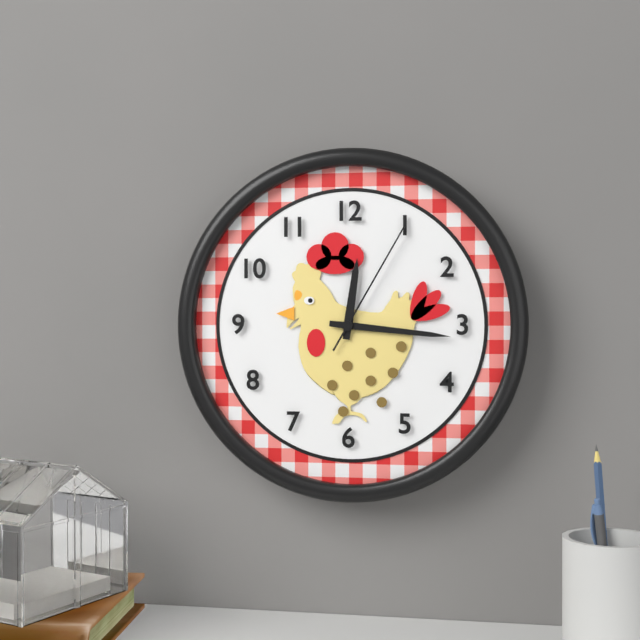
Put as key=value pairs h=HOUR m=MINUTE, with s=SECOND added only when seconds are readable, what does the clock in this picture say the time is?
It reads h=12 m=16 s=5
